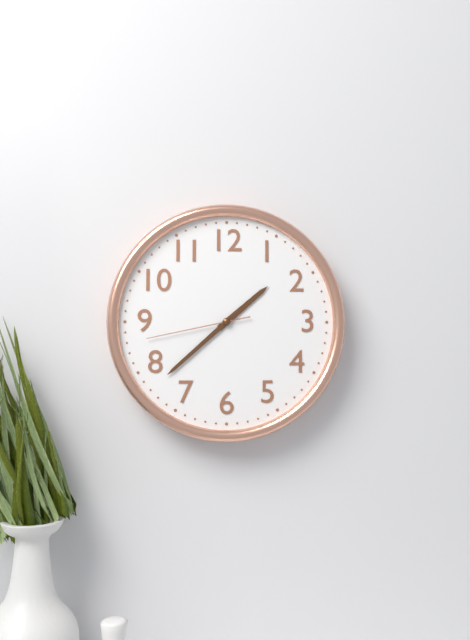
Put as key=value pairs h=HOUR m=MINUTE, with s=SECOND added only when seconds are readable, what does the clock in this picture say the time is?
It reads h=1 m=38 s=43
